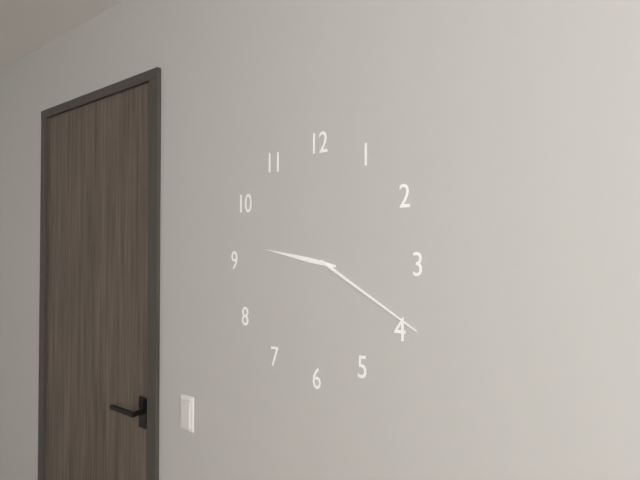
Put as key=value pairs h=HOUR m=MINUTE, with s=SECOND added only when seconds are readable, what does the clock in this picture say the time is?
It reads h=9 m=20
